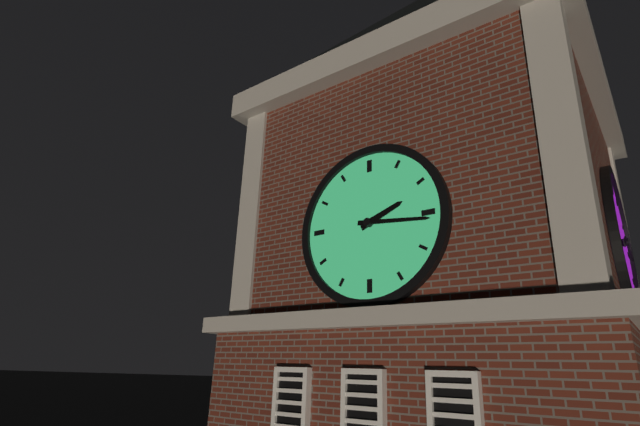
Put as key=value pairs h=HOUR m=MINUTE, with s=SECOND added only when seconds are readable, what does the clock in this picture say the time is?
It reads h=2 m=16
